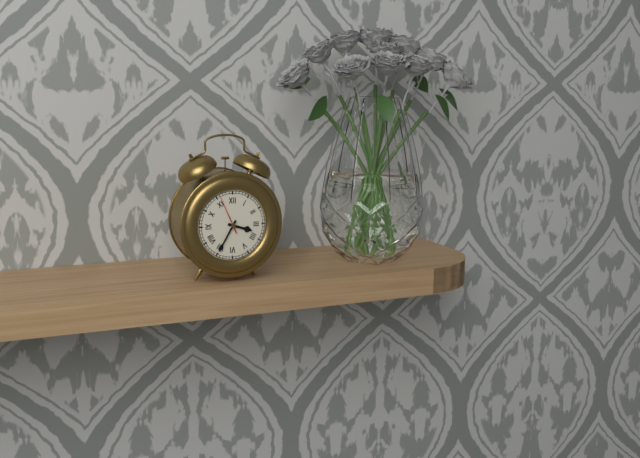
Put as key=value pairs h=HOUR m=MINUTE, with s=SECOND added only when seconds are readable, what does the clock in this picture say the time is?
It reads h=3 m=35
